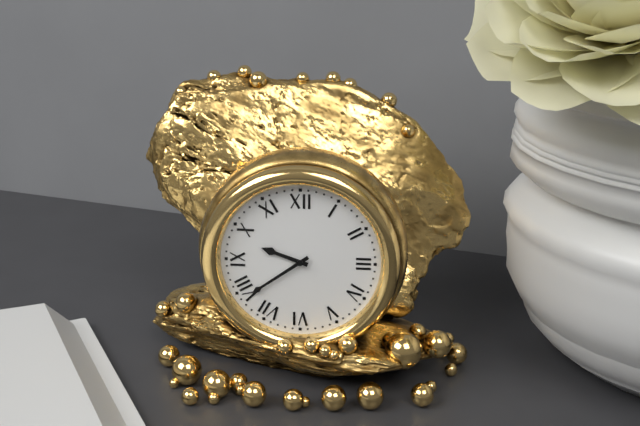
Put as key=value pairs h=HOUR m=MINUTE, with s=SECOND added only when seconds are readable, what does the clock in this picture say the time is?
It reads h=9 m=39
